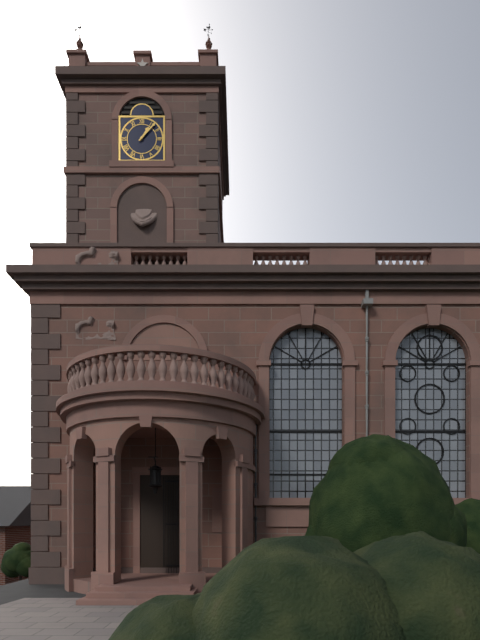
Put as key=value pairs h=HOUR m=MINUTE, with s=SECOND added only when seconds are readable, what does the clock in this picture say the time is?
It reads h=1 m=7
